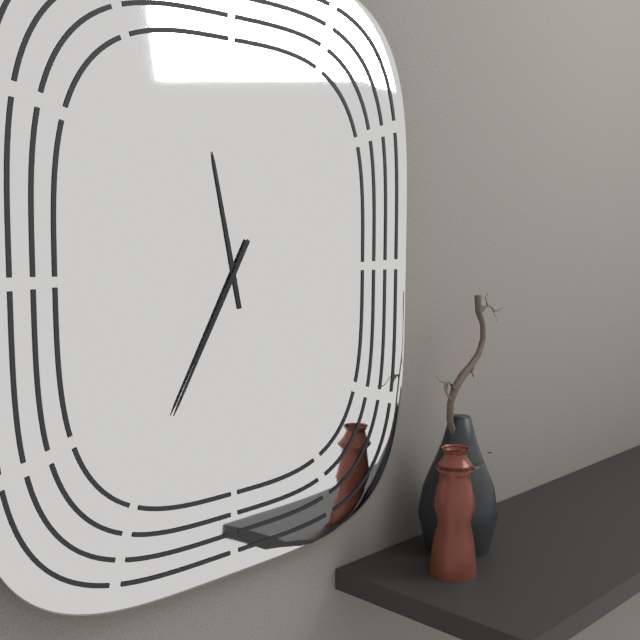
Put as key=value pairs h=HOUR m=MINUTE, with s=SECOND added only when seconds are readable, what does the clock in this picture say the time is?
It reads h=11 m=35
